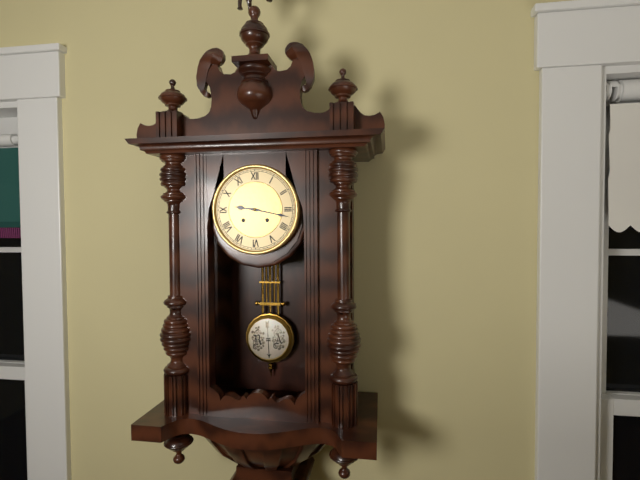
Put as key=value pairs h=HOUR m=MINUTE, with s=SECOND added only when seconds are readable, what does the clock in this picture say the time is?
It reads h=9 m=17
